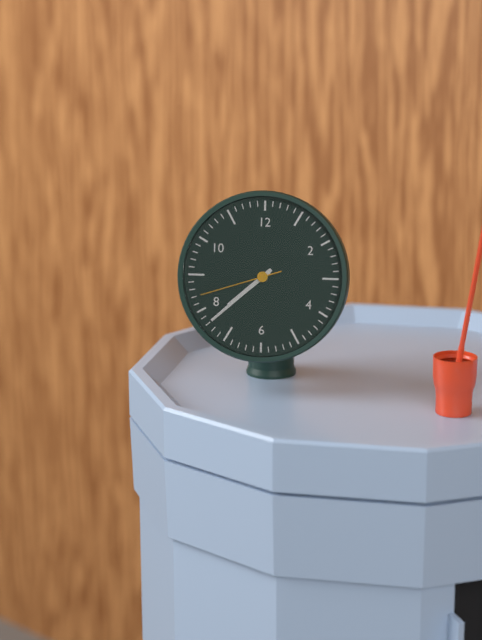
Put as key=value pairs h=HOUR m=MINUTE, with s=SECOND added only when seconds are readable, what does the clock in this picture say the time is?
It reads h=7 m=38 s=42
